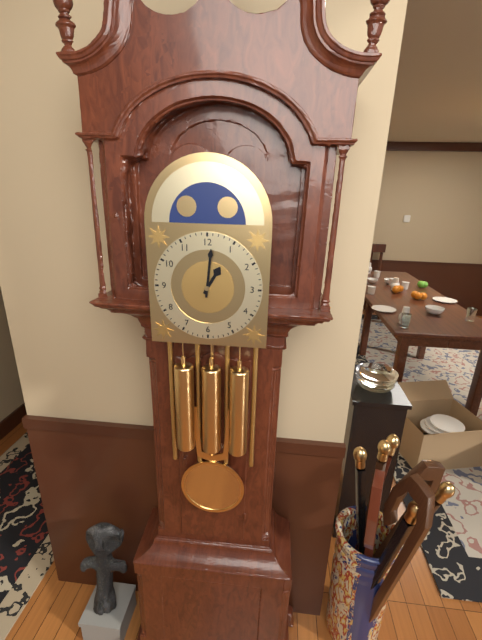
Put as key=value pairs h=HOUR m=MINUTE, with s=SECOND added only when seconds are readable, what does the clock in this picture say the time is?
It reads h=1 m=1
